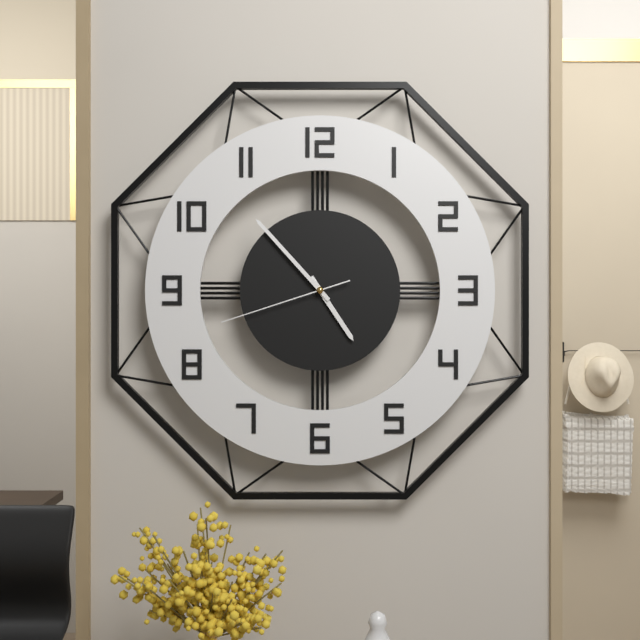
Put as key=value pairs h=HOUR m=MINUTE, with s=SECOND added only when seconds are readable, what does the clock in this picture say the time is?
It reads h=4 m=53 s=42
